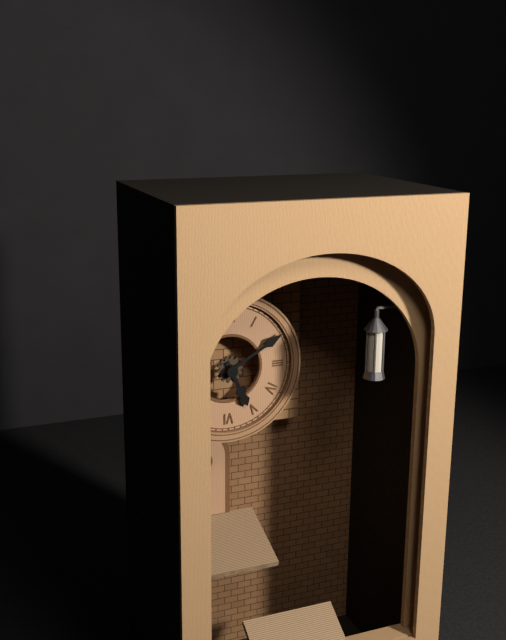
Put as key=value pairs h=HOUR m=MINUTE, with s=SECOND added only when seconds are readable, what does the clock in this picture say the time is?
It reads h=5 m=10
